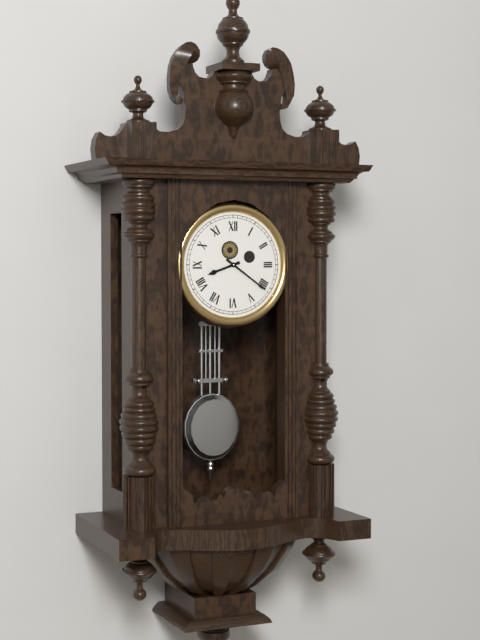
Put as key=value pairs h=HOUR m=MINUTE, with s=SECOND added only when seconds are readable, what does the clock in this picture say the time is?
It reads h=8 m=21
